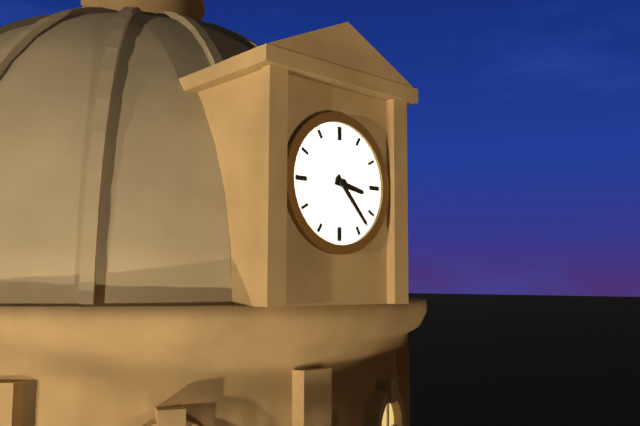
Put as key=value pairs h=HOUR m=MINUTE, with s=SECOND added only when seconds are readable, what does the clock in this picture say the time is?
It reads h=3 m=23
